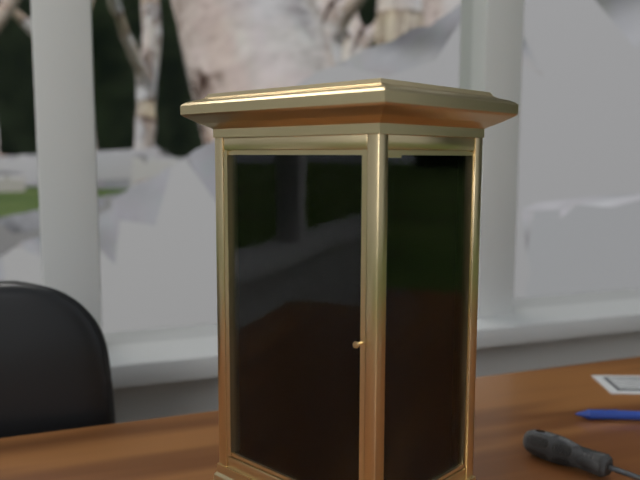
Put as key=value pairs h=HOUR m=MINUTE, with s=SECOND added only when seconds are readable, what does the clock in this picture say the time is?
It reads h=12 m=22
